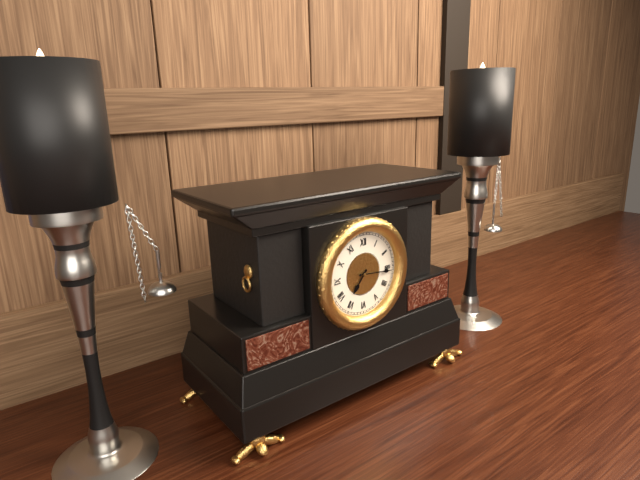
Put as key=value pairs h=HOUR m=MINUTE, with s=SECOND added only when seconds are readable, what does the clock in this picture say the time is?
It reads h=7 m=16
